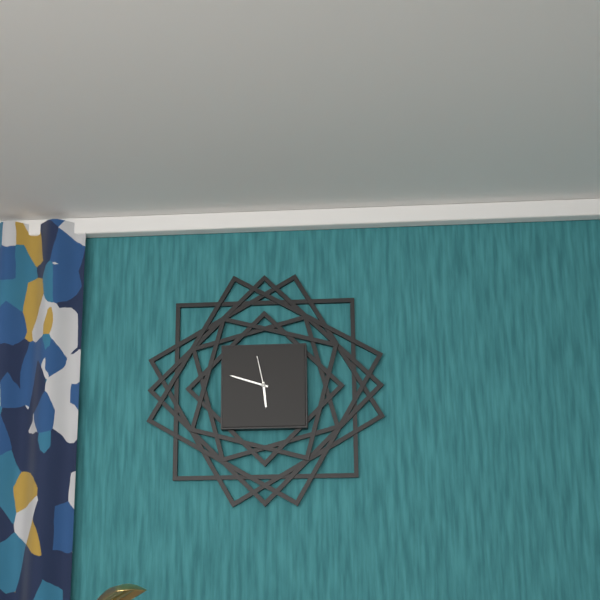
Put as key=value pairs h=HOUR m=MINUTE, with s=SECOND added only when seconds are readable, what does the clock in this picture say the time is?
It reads h=5 m=48
